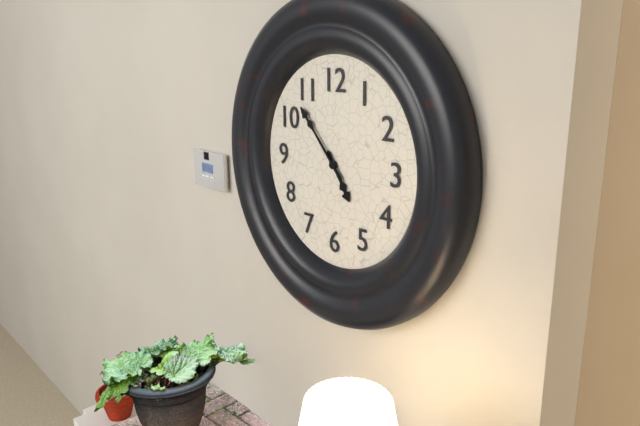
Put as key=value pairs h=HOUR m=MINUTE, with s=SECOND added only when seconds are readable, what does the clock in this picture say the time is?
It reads h=4 m=53
